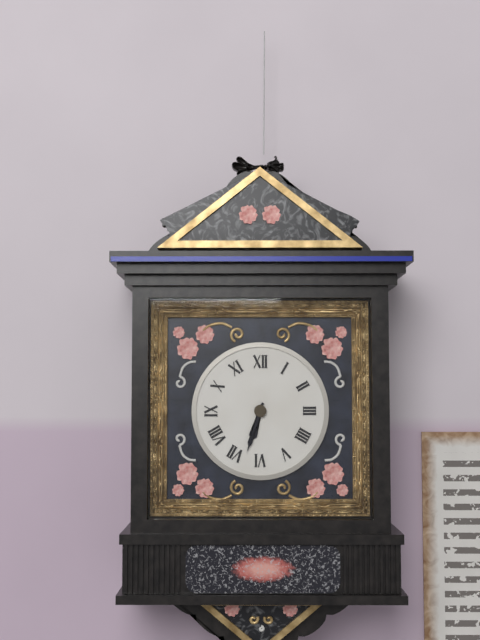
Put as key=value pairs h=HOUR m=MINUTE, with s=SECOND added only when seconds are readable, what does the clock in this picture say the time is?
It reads h=6 m=33
